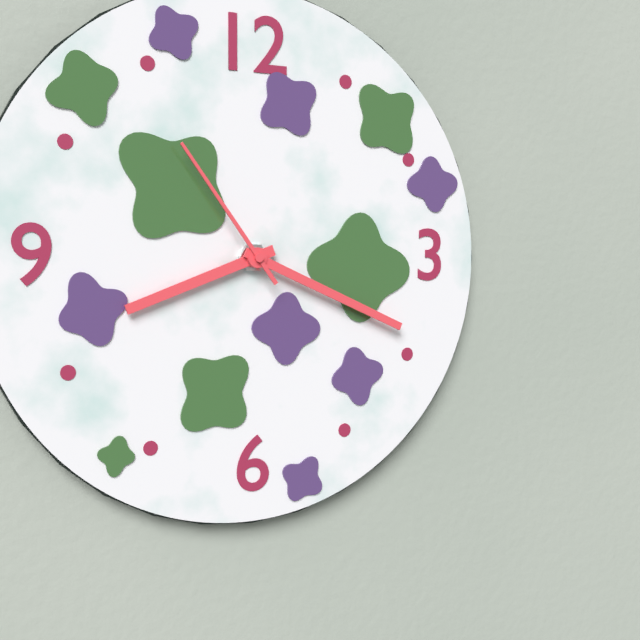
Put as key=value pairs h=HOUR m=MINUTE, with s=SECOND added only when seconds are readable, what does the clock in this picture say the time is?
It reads h=8 m=19 s=54
